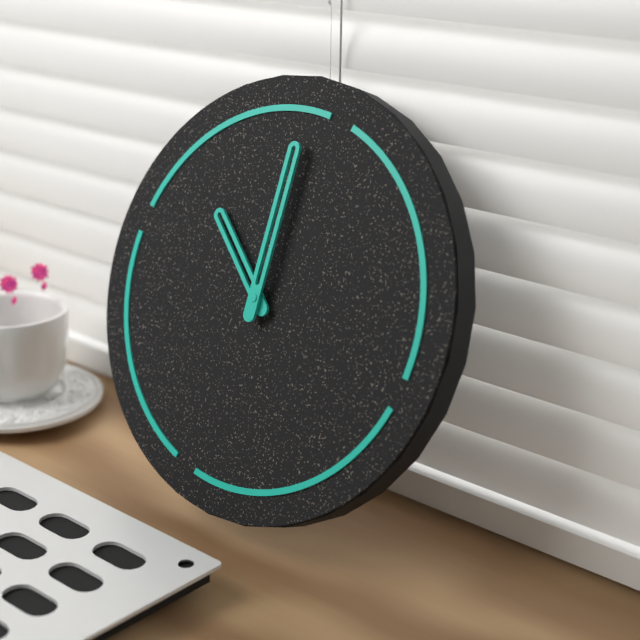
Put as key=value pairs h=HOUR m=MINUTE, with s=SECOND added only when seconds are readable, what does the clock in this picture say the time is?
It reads h=9 m=58
